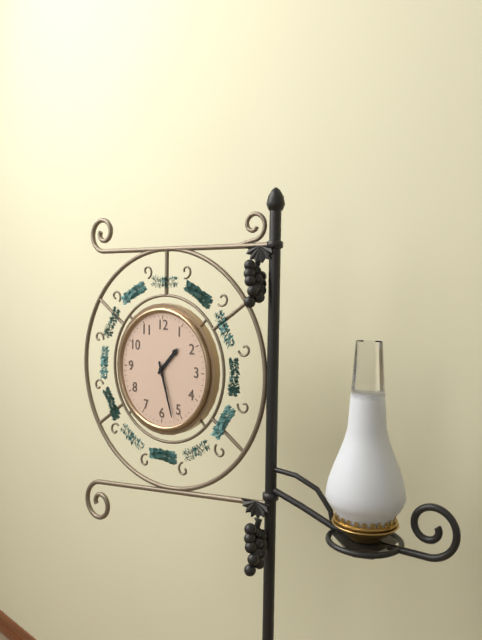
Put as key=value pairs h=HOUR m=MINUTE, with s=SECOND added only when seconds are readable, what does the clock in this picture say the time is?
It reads h=1 m=27
